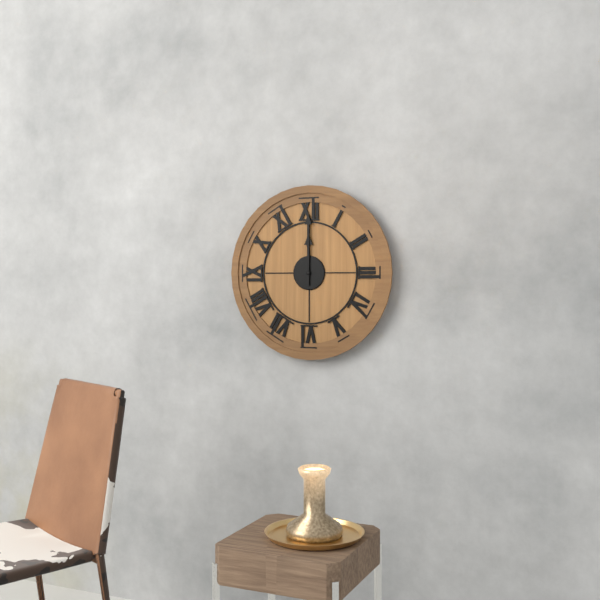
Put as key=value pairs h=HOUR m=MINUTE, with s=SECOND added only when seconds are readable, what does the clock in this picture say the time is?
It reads h=12 m=0
